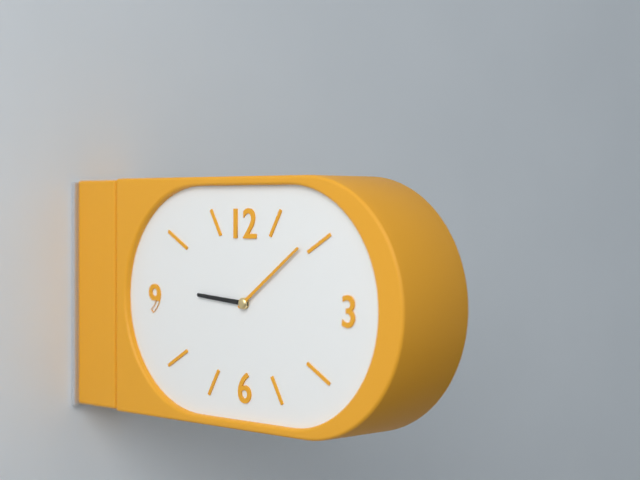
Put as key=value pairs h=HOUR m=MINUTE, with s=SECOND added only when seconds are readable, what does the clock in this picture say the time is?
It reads h=9 m=9
